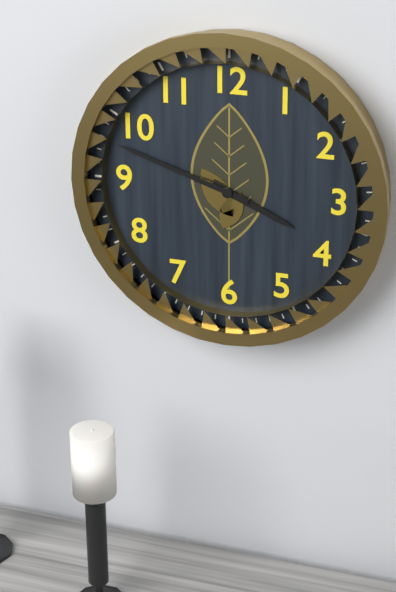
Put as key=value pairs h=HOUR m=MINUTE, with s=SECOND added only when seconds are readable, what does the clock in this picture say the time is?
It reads h=3 m=48
